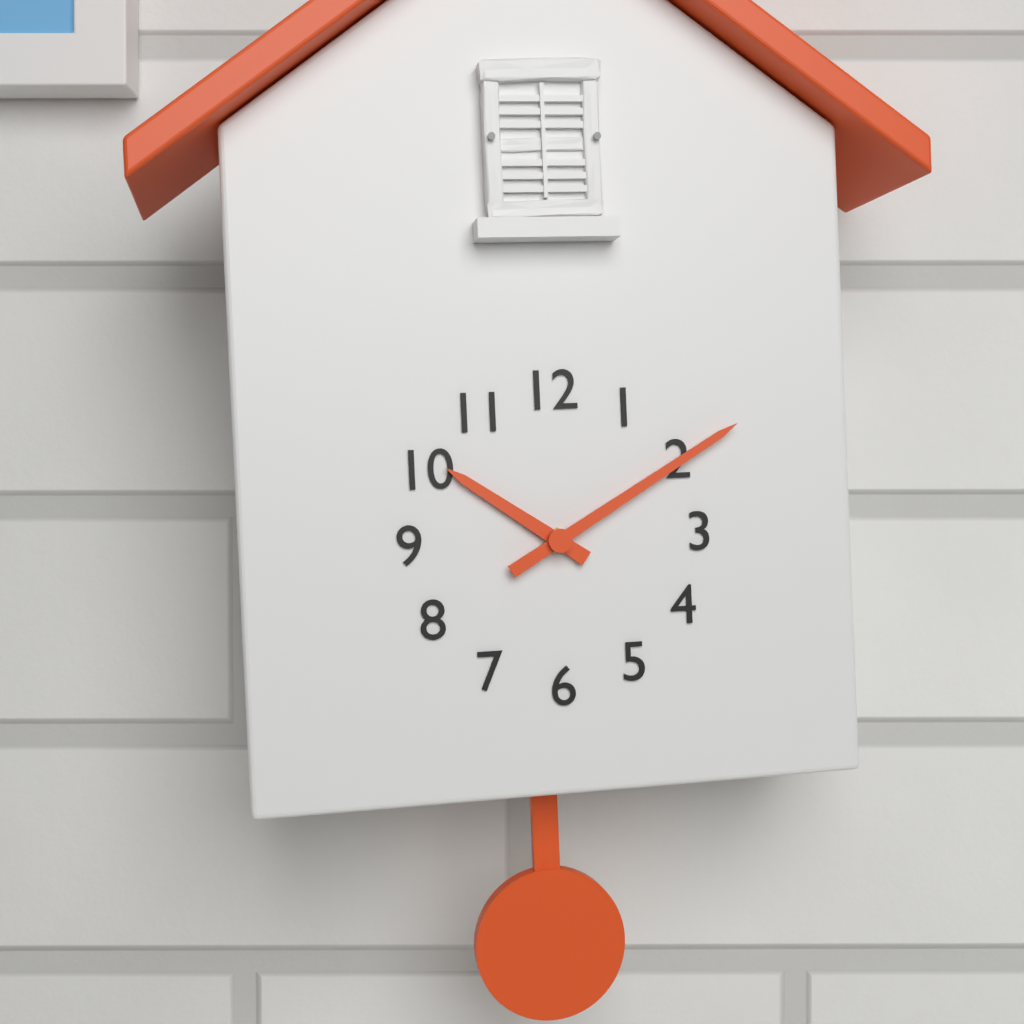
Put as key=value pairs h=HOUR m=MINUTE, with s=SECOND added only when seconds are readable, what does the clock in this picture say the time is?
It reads h=10 m=10
